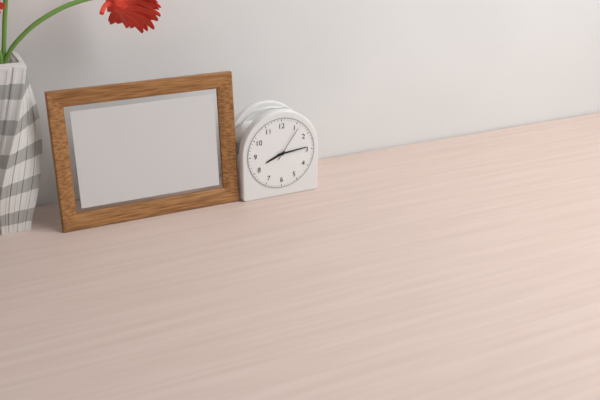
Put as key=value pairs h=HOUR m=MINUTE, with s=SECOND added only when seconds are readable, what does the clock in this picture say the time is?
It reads h=8 m=14
